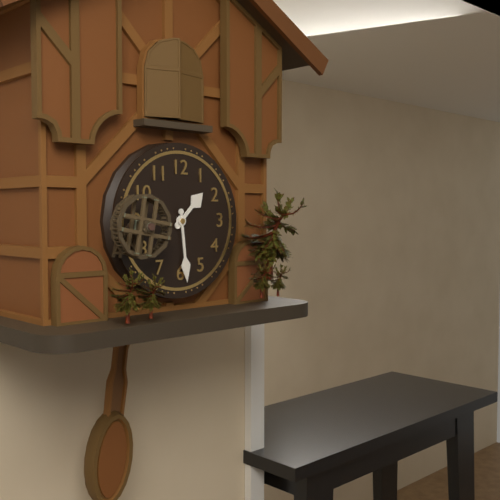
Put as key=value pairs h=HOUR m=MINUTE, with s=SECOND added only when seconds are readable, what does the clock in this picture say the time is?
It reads h=1 m=29
